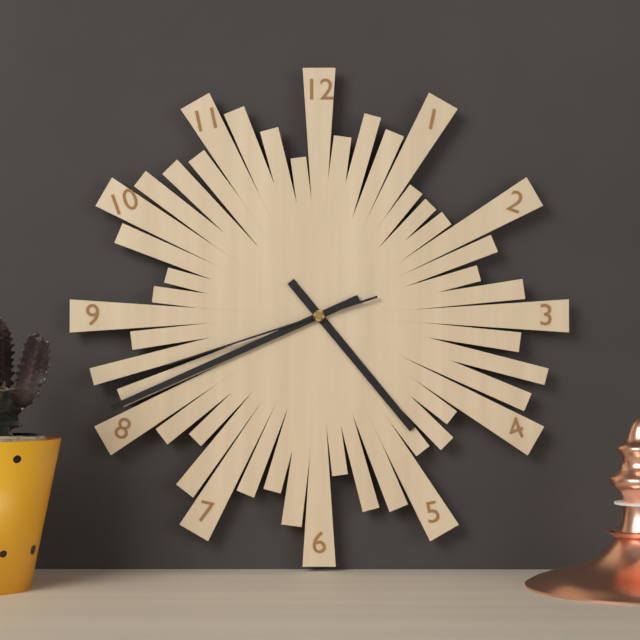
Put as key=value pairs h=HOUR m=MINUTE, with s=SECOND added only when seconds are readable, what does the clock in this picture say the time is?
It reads h=4 m=41 s=42
